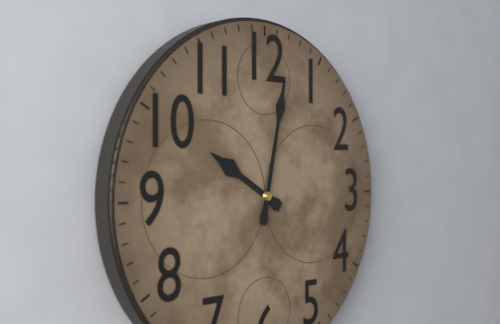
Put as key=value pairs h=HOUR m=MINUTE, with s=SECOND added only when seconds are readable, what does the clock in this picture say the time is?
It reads h=10 m=2
